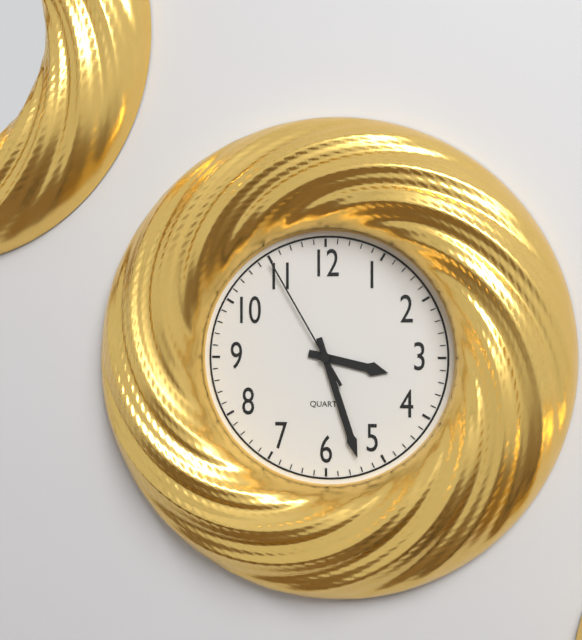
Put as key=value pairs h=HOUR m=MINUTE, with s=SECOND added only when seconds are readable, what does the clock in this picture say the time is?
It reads h=3 m=27 s=55
